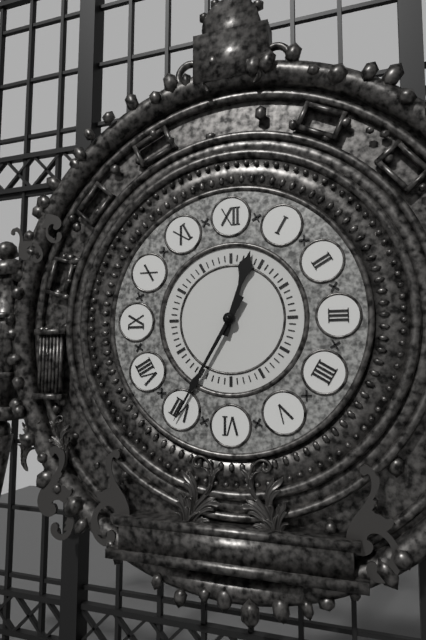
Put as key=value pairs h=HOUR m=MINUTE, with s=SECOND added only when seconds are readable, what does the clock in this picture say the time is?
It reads h=12 m=35
